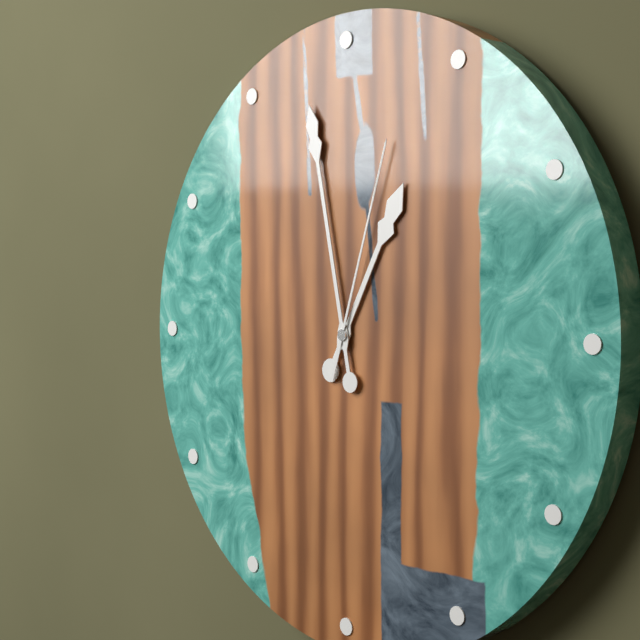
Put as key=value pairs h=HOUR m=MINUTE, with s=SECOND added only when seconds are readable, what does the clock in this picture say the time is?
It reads h=12 m=58 s=3
